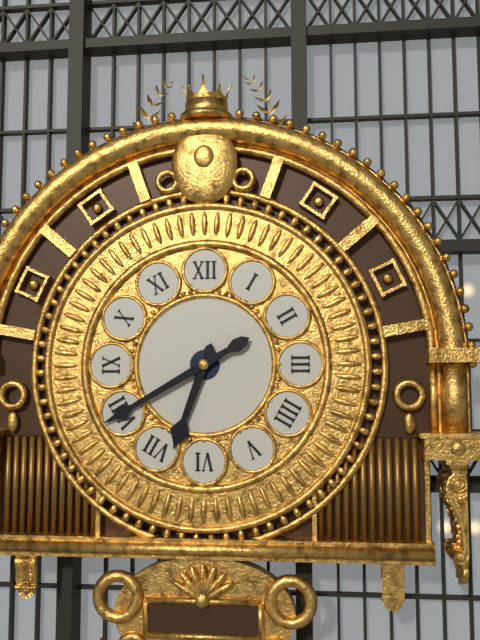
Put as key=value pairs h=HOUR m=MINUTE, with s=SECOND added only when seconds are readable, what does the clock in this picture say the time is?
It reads h=6 m=40
